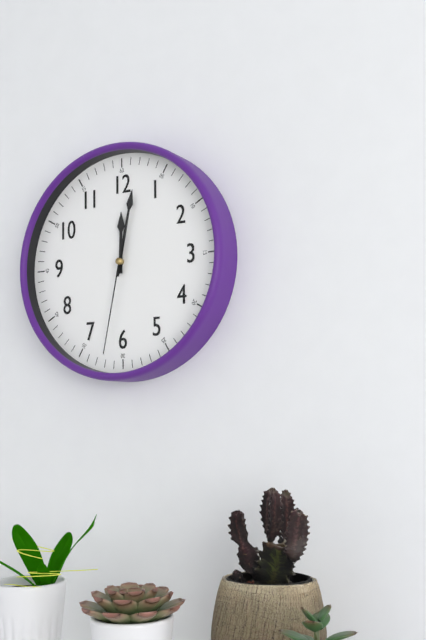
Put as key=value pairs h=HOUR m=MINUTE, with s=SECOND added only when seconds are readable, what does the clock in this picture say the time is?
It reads h=12 m=2 s=32
